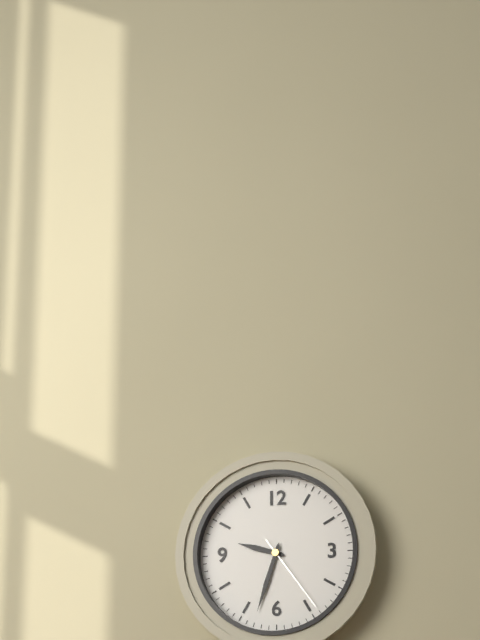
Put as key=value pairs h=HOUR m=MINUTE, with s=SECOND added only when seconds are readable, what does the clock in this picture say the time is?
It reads h=9 m=33 s=24
